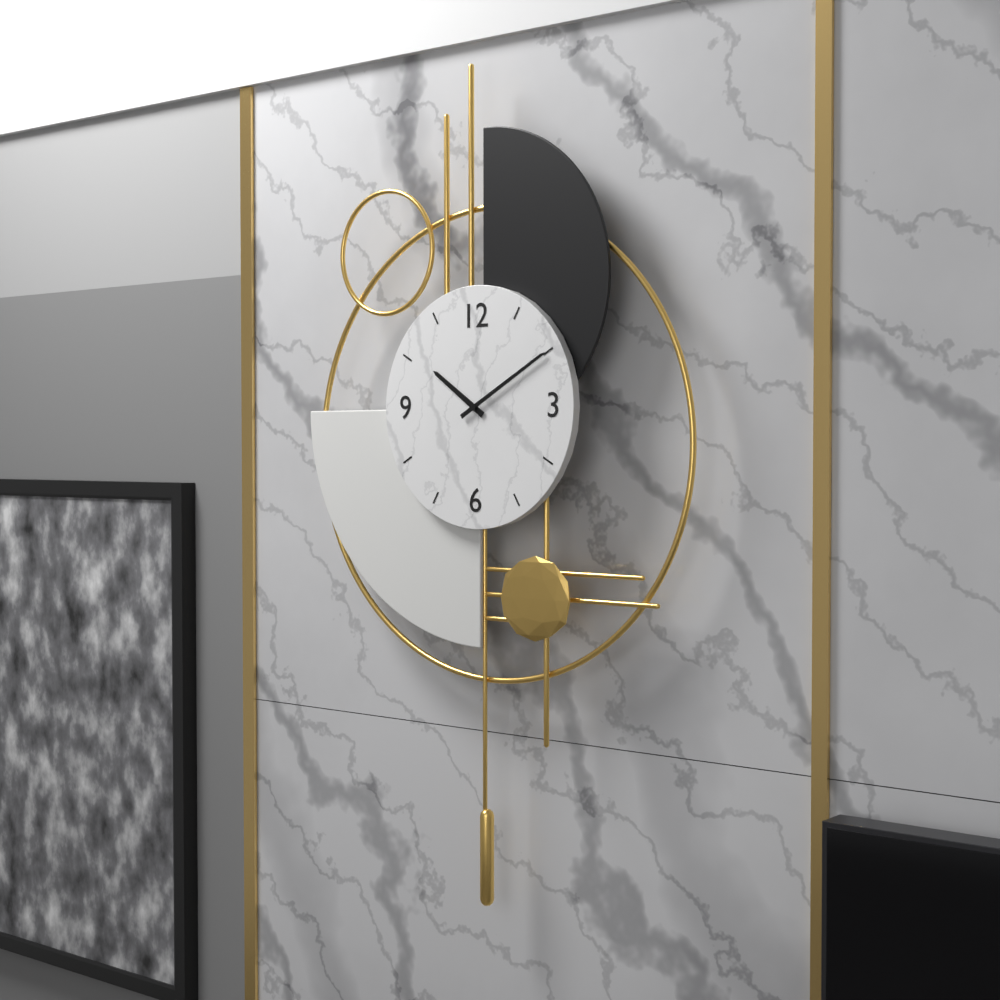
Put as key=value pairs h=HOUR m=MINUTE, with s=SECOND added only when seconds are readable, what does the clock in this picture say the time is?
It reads h=10 m=10
